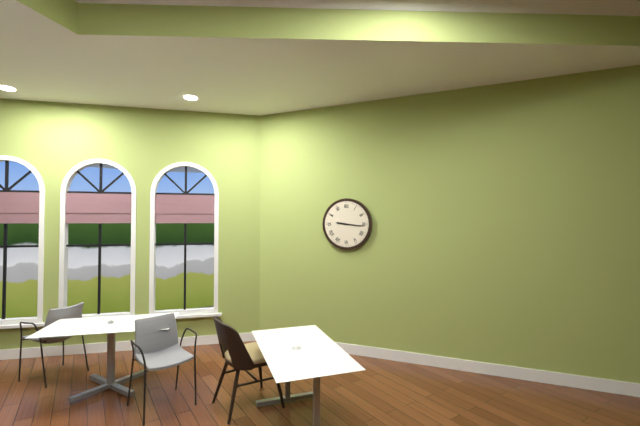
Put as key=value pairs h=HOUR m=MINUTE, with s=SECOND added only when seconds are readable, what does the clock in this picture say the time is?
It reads h=9 m=16
